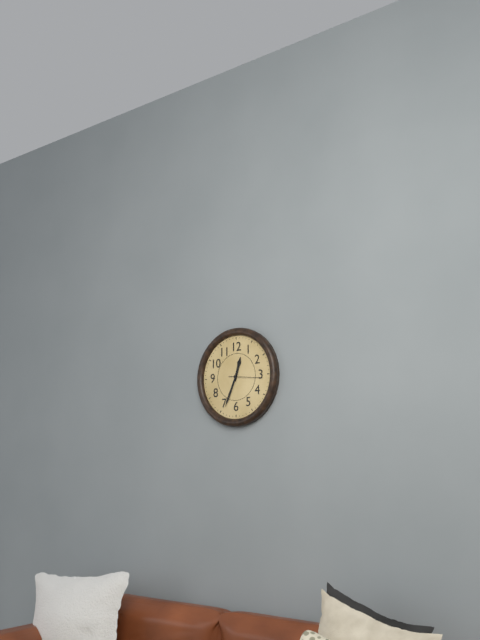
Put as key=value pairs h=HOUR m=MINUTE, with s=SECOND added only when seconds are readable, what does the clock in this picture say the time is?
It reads h=12 m=34
